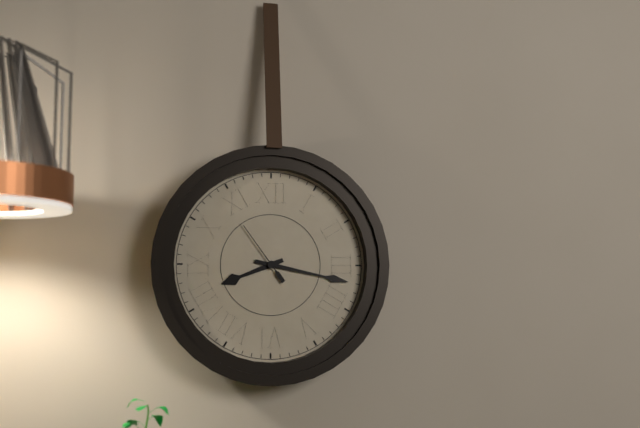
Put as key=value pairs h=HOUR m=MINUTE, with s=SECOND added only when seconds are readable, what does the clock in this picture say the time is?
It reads h=8 m=17 s=54
